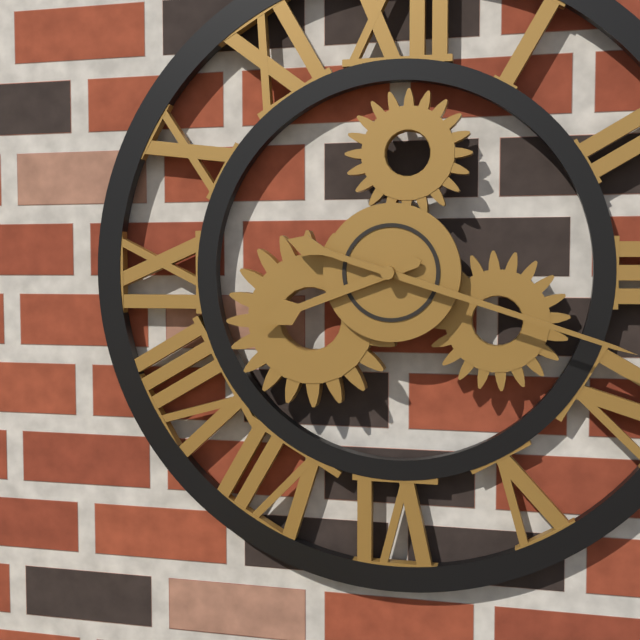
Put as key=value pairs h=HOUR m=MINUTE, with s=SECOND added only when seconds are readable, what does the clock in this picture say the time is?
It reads h=8 m=18
